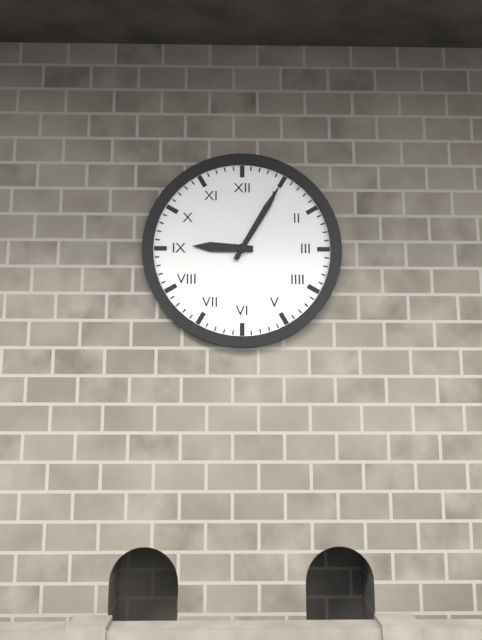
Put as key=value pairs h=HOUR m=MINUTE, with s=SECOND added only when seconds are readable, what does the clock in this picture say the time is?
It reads h=9 m=5
